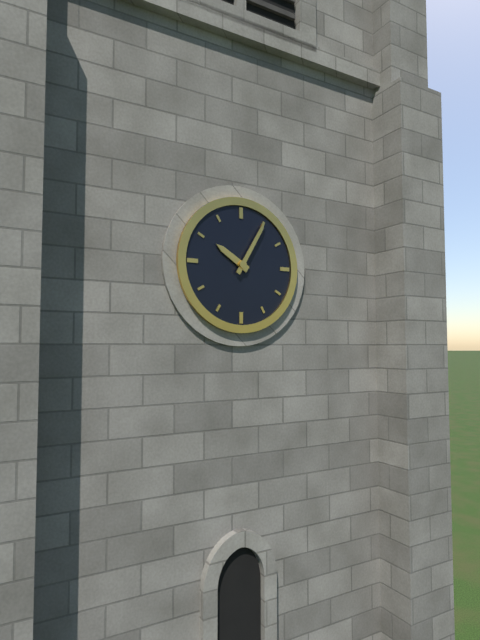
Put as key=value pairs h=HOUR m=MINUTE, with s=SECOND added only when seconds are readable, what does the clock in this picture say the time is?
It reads h=10 m=5
